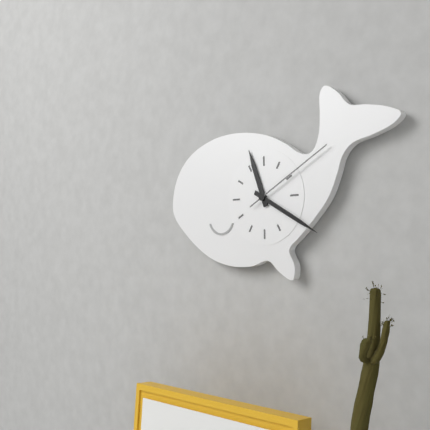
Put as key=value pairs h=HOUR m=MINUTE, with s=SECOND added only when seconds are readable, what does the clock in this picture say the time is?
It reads h=11 m=20 s=10
